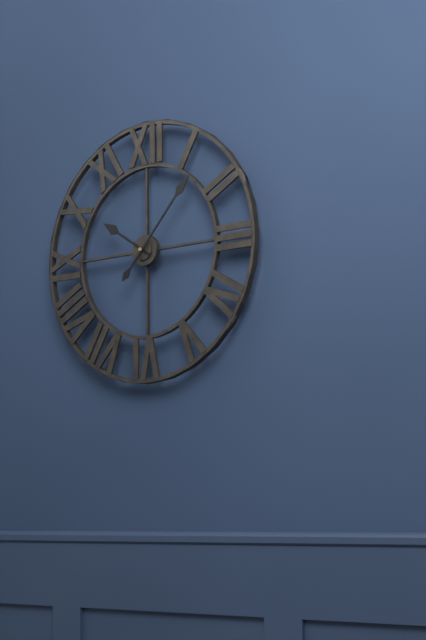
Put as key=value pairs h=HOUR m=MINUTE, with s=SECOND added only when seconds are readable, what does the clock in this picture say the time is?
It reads h=10 m=7
